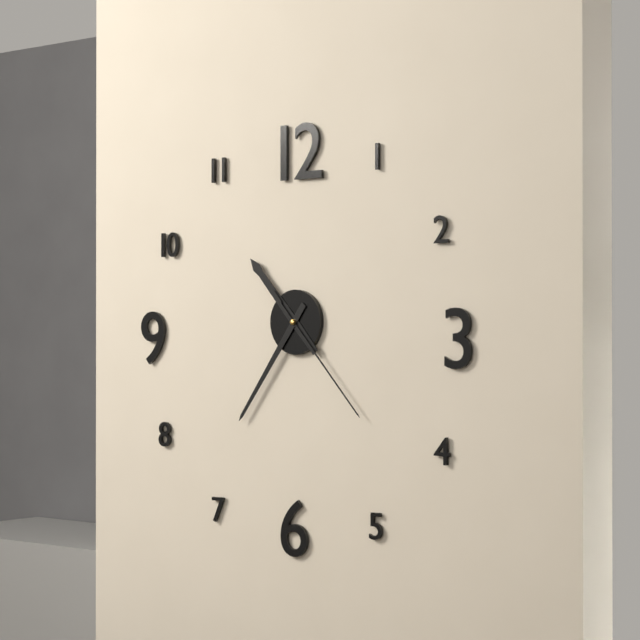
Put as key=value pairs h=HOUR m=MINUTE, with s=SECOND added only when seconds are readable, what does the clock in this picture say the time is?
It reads h=10 m=36 s=23
